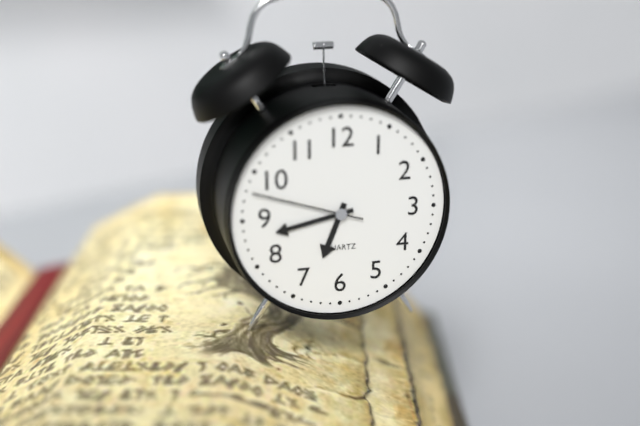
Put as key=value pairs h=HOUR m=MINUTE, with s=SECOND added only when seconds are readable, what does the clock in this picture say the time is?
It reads h=6 m=43 s=48
